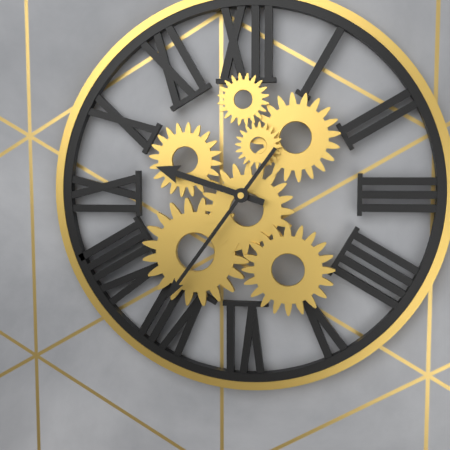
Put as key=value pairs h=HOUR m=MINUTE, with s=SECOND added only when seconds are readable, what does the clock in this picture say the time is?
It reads h=9 m=36
